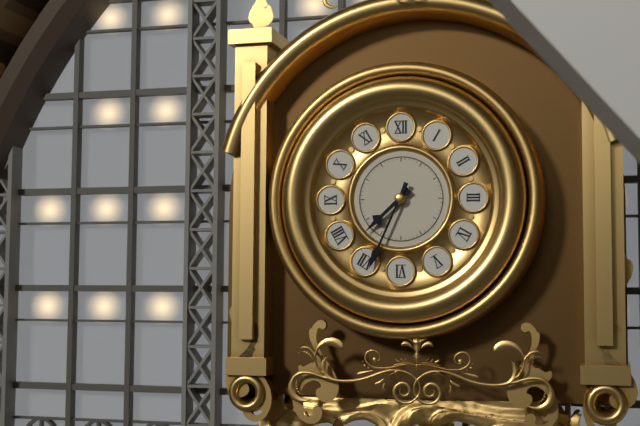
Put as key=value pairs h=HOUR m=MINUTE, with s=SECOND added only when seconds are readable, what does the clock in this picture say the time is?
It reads h=7 m=34
